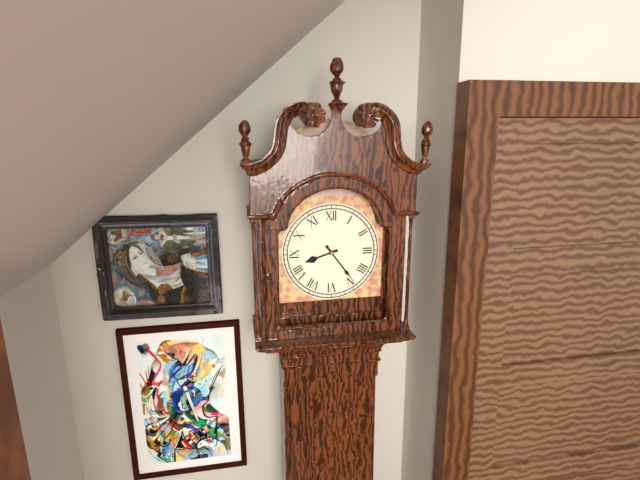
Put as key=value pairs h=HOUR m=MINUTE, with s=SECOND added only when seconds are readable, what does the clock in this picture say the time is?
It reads h=8 m=24
